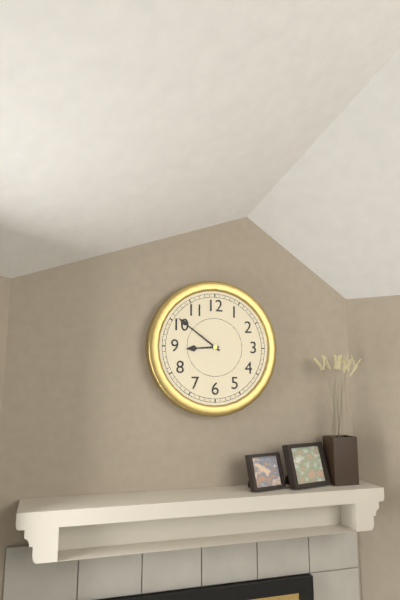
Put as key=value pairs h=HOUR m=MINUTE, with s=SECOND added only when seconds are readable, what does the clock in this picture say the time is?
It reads h=8 m=51
